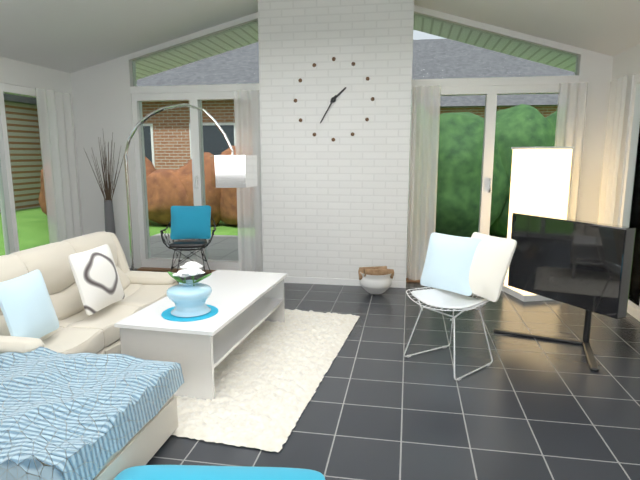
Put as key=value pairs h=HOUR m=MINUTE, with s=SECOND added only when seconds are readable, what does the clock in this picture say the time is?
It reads h=1 m=35
